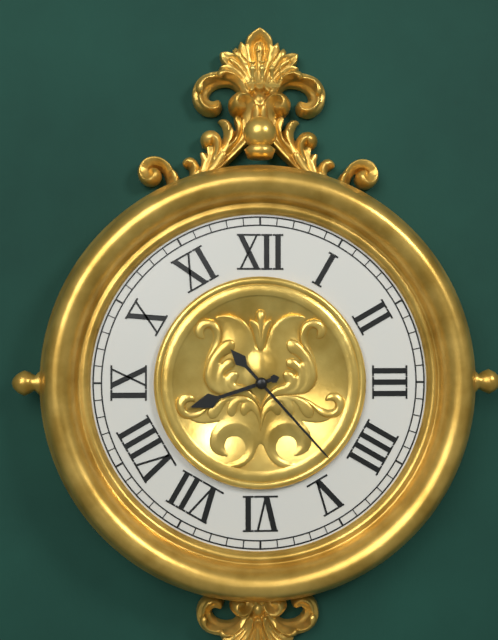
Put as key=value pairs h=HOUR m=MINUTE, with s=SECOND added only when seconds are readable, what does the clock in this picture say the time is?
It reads h=8 m=23
